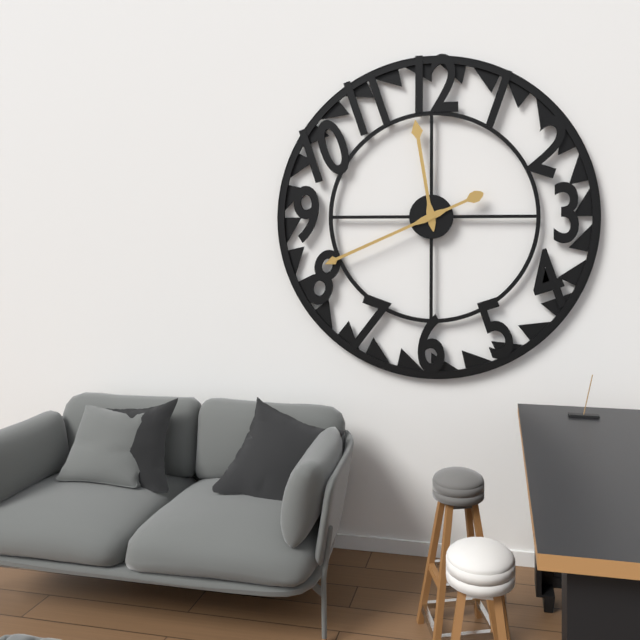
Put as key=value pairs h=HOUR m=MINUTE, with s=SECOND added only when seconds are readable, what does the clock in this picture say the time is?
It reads h=11 m=41
